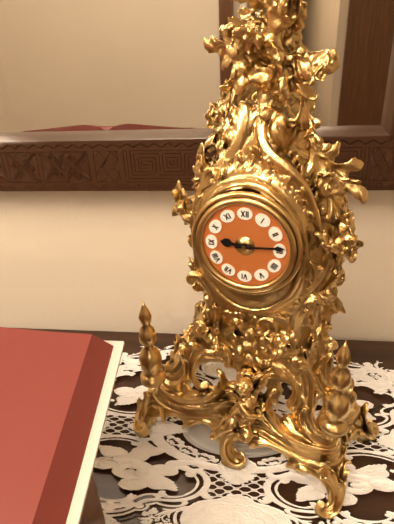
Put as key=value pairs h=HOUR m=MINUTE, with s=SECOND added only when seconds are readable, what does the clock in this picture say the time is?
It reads h=9 m=14
